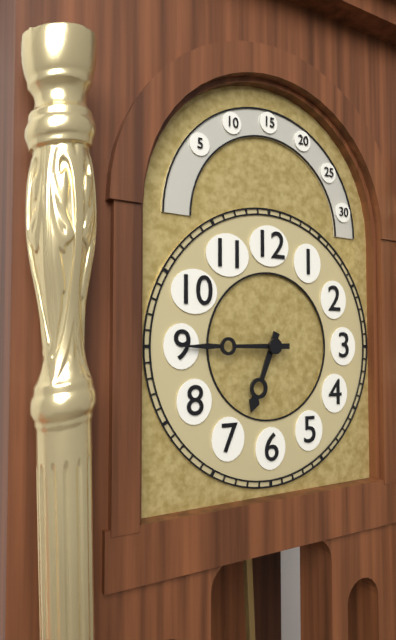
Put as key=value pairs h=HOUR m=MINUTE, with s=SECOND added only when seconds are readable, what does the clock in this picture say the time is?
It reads h=6 m=45
